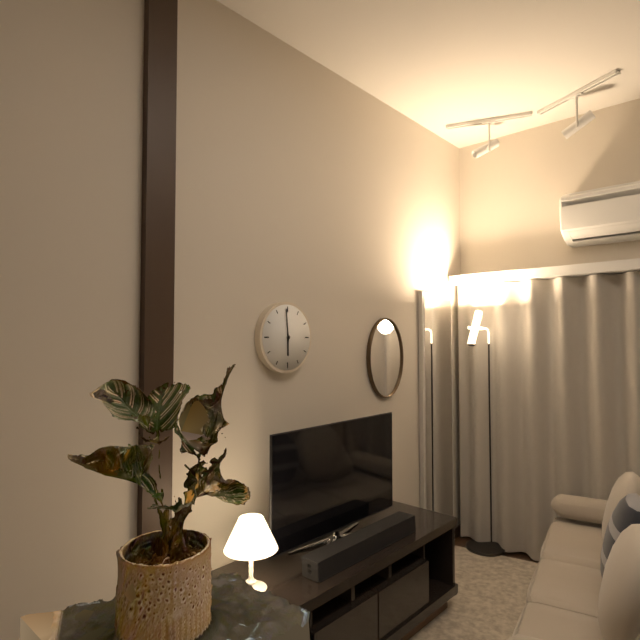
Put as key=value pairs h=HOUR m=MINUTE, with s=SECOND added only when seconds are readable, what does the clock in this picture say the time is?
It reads h=5 m=59
